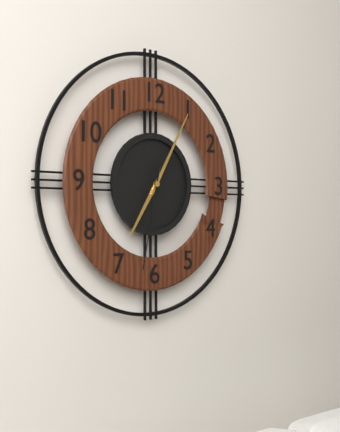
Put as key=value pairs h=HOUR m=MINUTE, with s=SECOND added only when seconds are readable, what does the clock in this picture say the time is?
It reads h=7 m=5 s=32
